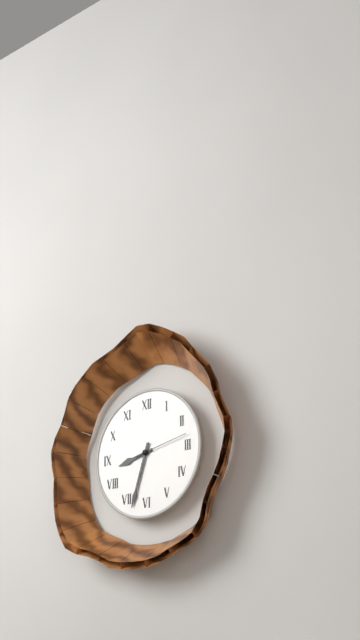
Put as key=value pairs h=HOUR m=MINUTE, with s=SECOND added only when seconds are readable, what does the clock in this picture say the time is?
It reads h=8 m=33
